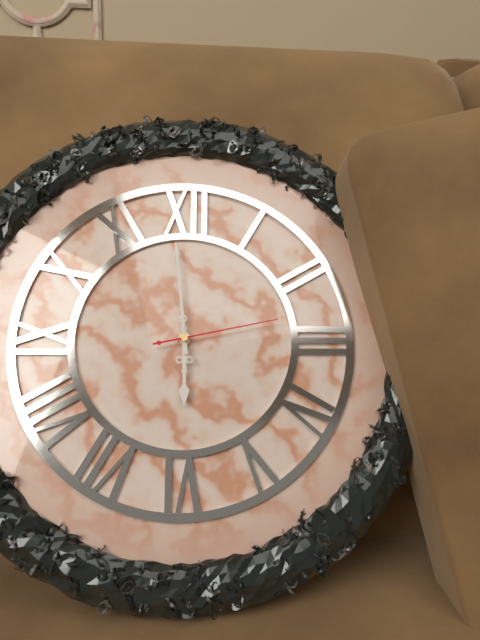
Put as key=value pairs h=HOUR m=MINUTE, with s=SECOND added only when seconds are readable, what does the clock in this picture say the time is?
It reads h=5 m=59 s=13
